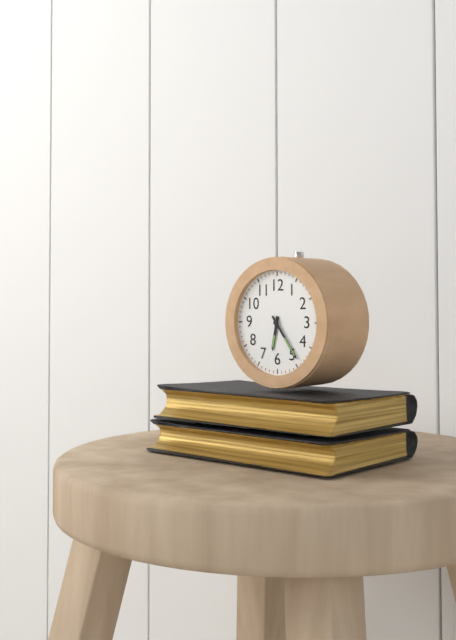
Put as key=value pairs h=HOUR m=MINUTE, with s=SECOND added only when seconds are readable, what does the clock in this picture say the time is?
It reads h=6 m=24
